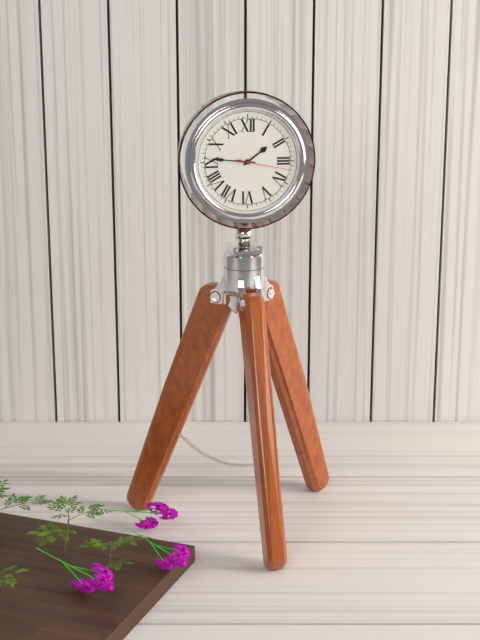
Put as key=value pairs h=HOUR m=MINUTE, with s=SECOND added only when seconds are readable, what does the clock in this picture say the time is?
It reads h=1 m=46 s=17
